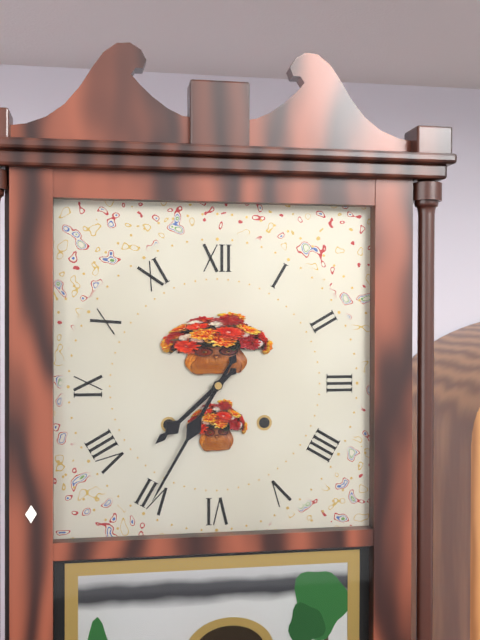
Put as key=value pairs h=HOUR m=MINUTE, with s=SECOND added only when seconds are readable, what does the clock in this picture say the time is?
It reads h=7 m=35
